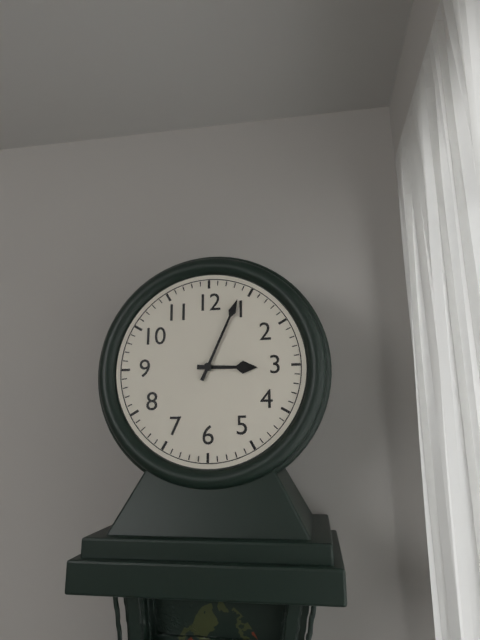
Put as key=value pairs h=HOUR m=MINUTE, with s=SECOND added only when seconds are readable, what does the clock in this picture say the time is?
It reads h=3 m=4
